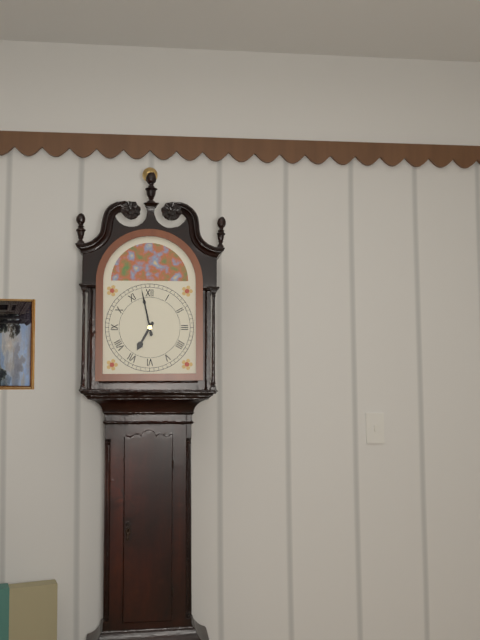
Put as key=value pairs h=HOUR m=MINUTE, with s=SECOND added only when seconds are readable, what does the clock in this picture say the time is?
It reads h=6 m=58
